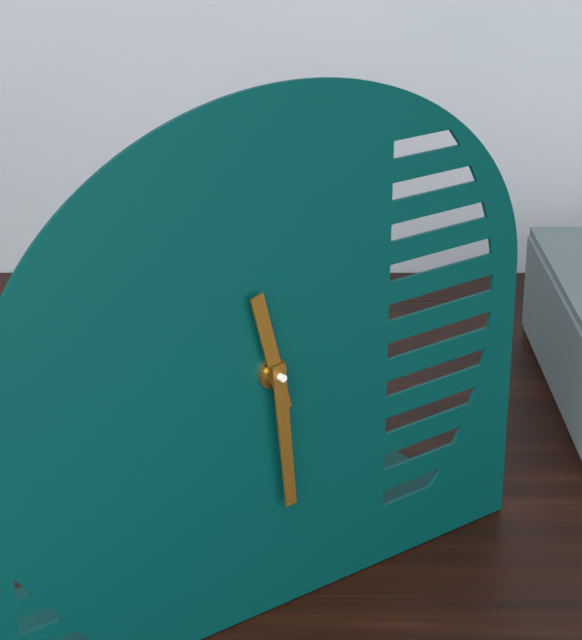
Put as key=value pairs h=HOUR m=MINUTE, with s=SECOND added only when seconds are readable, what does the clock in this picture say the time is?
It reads h=11 m=29
